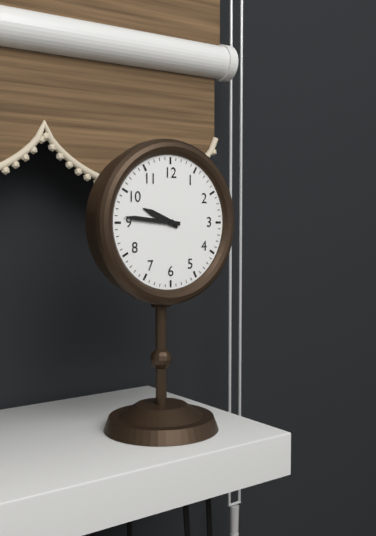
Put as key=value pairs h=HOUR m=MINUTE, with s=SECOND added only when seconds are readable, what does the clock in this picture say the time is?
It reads h=9 m=46
